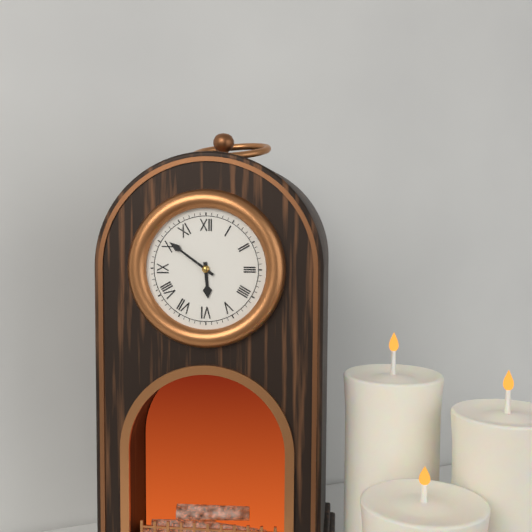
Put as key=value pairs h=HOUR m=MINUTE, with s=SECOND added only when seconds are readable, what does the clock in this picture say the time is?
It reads h=5 m=51
